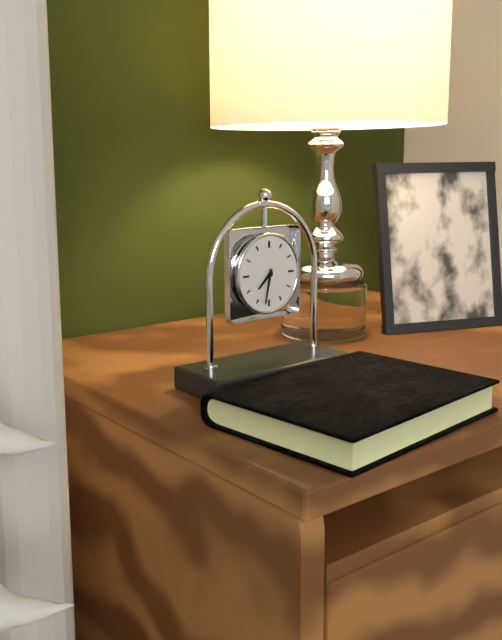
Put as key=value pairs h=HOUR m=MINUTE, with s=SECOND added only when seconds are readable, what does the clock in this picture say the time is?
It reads h=7 m=32
